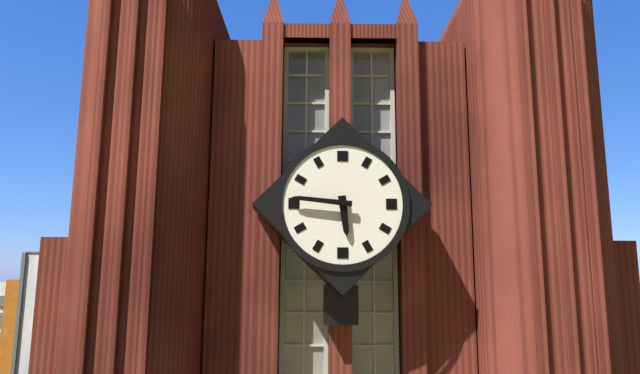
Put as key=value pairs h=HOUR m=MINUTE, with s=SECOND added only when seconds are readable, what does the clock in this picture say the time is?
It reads h=5 m=46
